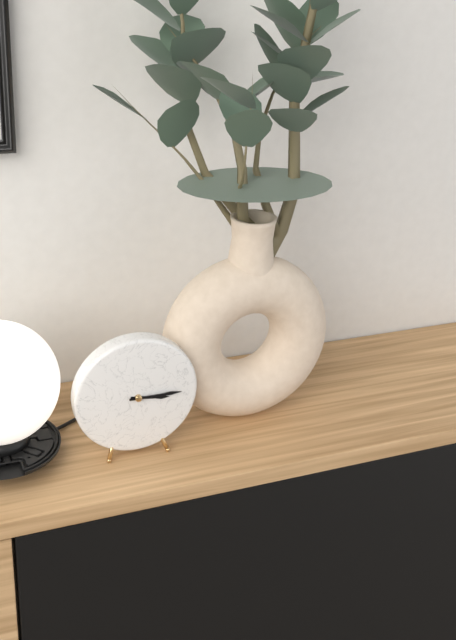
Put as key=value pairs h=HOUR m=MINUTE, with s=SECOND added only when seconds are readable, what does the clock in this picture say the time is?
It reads h=3 m=15
